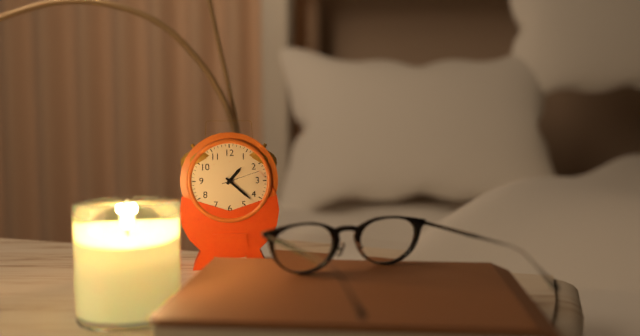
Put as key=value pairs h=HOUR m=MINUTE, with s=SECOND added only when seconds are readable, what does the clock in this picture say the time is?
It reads h=1 m=22
